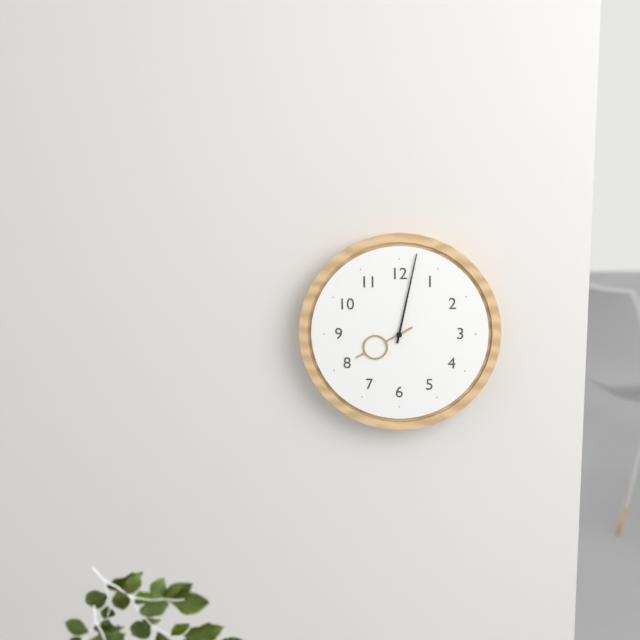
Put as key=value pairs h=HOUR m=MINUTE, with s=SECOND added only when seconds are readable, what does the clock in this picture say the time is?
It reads h=8 m=2
